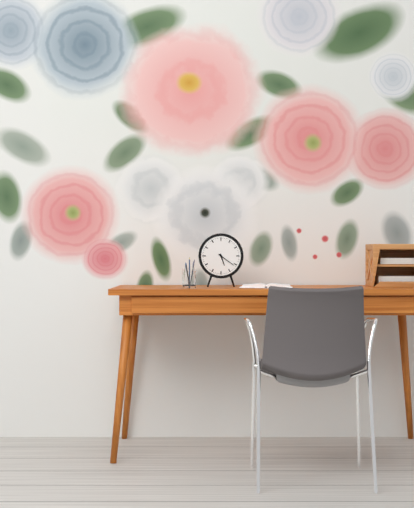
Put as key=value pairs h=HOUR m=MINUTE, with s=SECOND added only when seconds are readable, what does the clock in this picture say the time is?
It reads h=5 m=21
